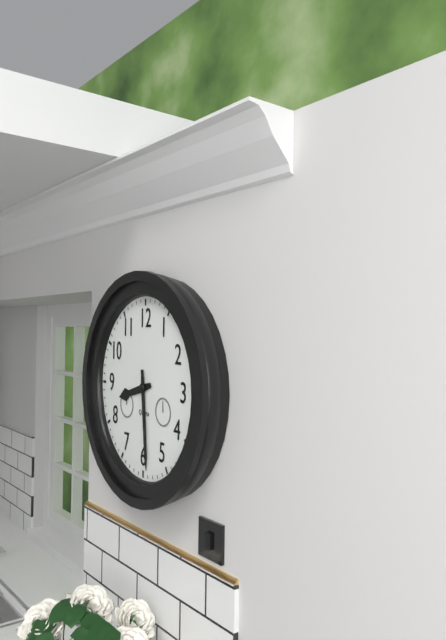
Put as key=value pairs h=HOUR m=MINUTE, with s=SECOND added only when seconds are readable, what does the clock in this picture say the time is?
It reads h=8 m=29
